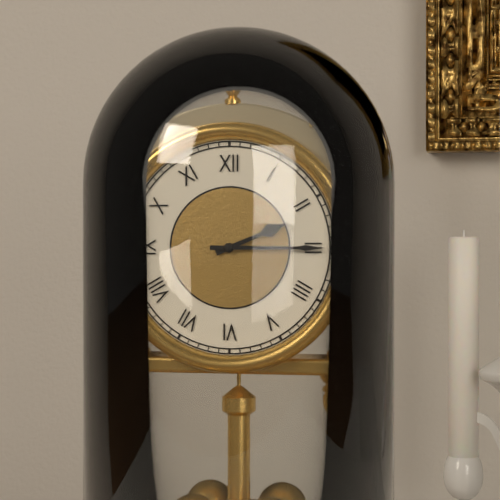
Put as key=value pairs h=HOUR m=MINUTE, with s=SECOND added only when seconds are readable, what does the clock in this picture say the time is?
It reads h=2 m=15
